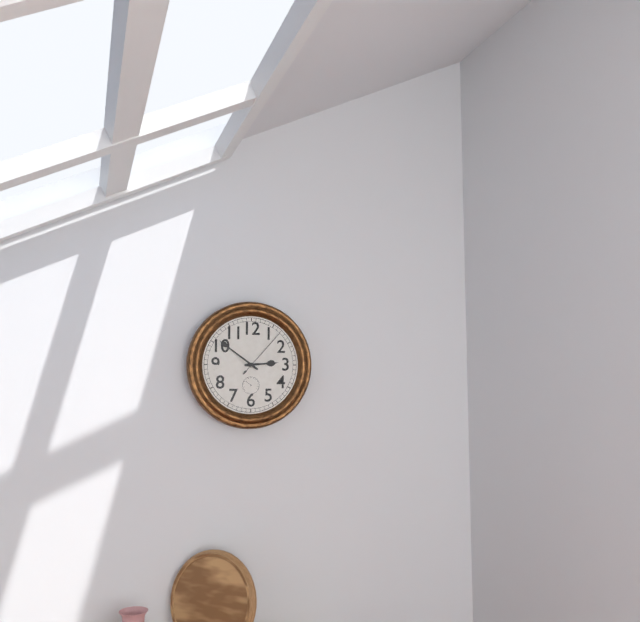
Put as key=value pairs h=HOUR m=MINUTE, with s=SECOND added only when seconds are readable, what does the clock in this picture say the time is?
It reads h=2 m=51 s=7
